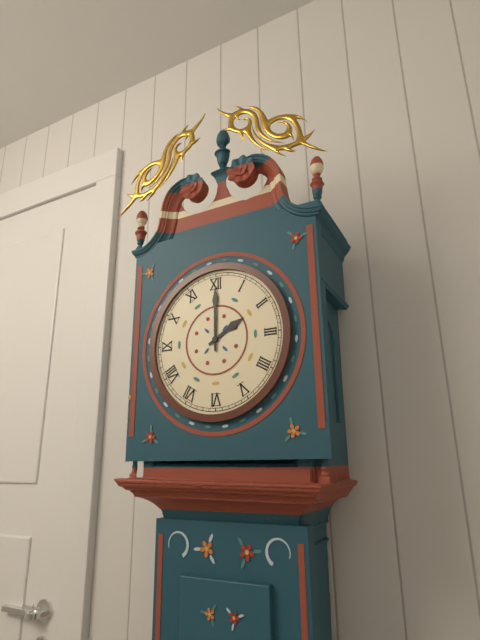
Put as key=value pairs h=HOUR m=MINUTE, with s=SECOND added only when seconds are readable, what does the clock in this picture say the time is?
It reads h=2 m=0
